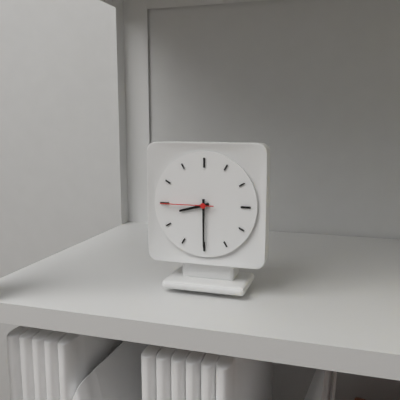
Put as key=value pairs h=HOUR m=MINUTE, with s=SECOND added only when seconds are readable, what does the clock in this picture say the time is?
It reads h=8 m=30 s=45
